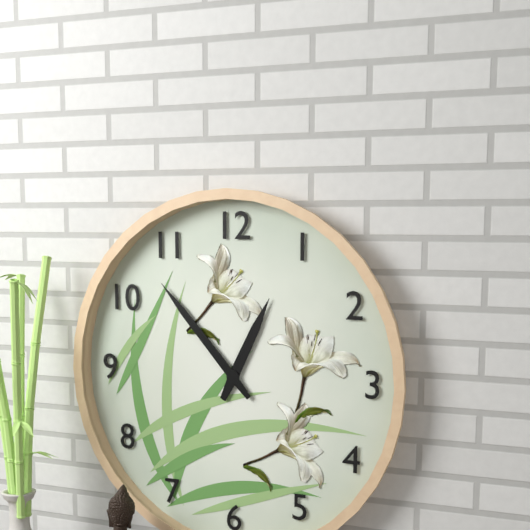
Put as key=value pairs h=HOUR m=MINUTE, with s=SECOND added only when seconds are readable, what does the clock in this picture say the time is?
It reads h=12 m=53
